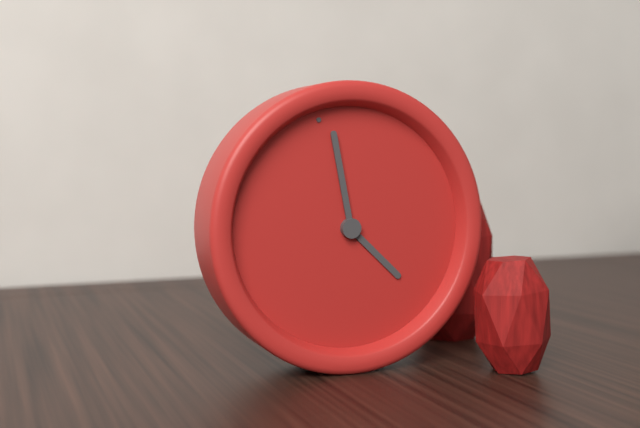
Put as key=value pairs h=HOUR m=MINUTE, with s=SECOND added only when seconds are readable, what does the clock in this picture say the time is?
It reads h=5 m=1
